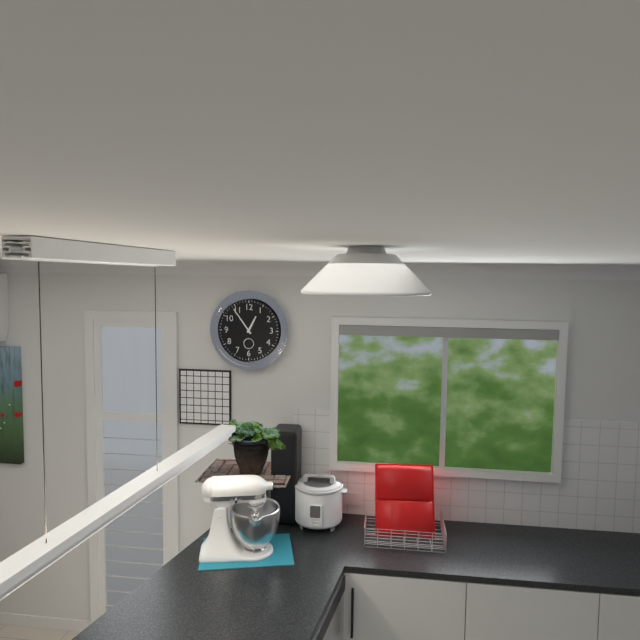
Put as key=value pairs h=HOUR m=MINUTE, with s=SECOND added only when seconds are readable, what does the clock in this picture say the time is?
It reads h=12 m=54
